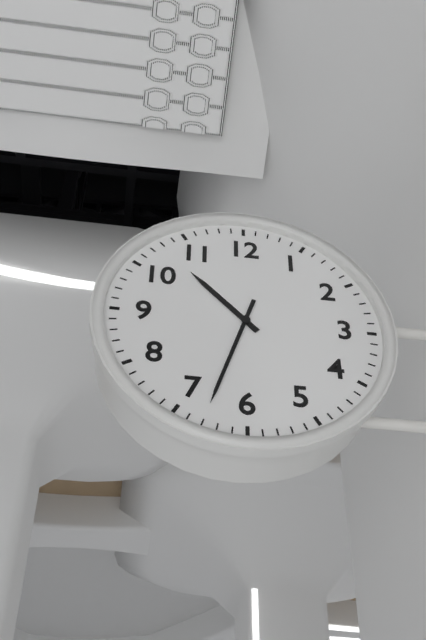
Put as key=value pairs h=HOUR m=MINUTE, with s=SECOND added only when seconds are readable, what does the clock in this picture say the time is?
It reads h=10 m=33
